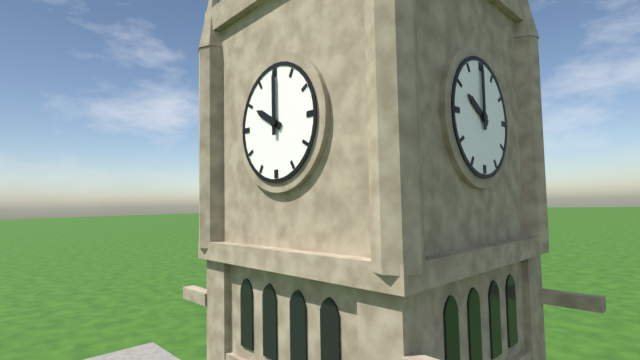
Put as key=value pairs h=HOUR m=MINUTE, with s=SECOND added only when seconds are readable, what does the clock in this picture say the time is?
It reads h=10 m=0
